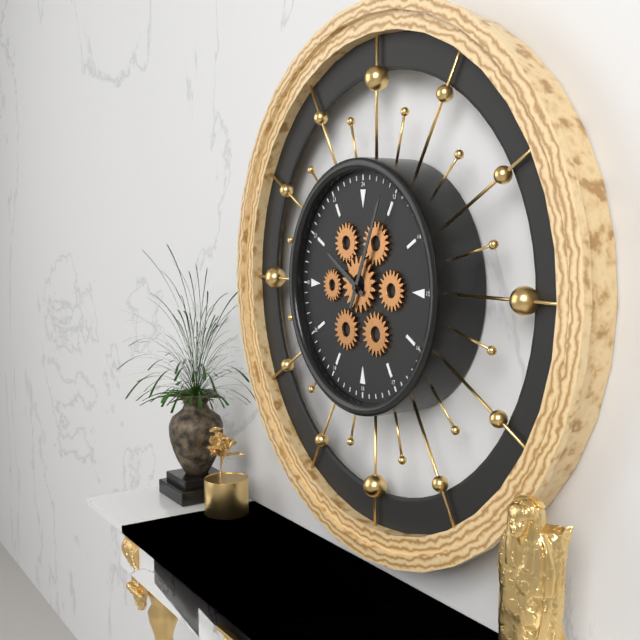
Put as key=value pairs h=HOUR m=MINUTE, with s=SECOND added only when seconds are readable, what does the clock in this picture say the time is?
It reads h=10 m=4
